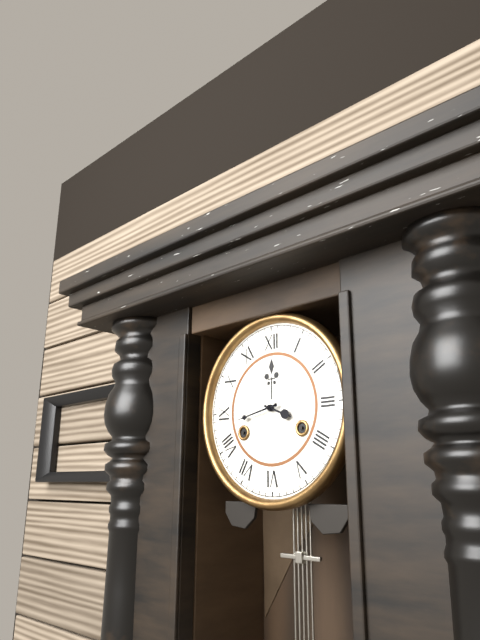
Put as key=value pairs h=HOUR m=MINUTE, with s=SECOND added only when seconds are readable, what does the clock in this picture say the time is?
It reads h=3 m=43
